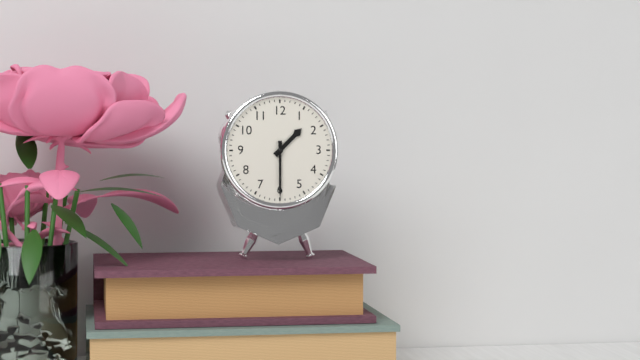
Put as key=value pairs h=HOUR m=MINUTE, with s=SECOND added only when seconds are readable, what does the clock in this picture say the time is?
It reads h=1 m=30
